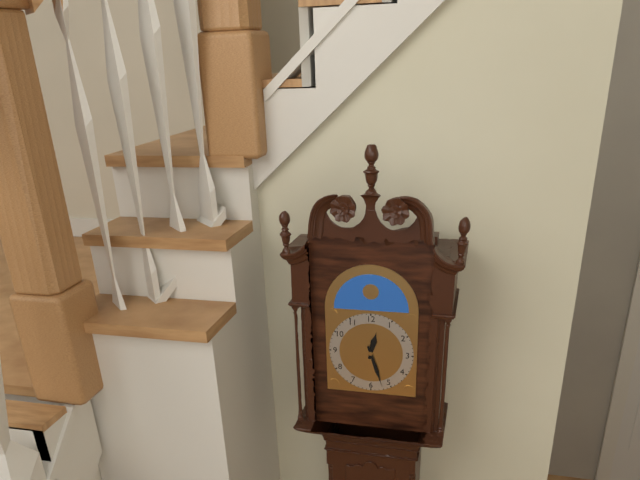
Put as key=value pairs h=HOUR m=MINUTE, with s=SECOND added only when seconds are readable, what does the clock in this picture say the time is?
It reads h=12 m=27
